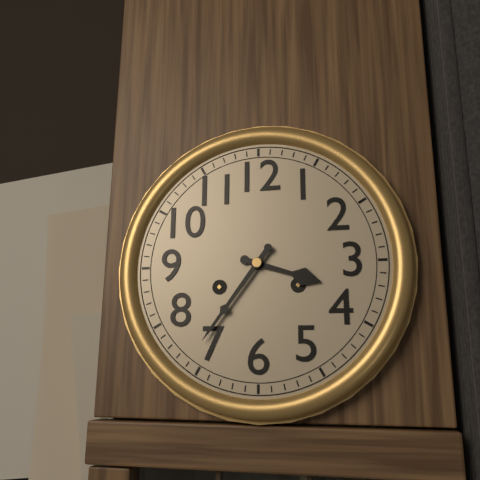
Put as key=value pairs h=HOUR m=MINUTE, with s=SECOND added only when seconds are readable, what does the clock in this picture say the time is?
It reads h=3 m=36
